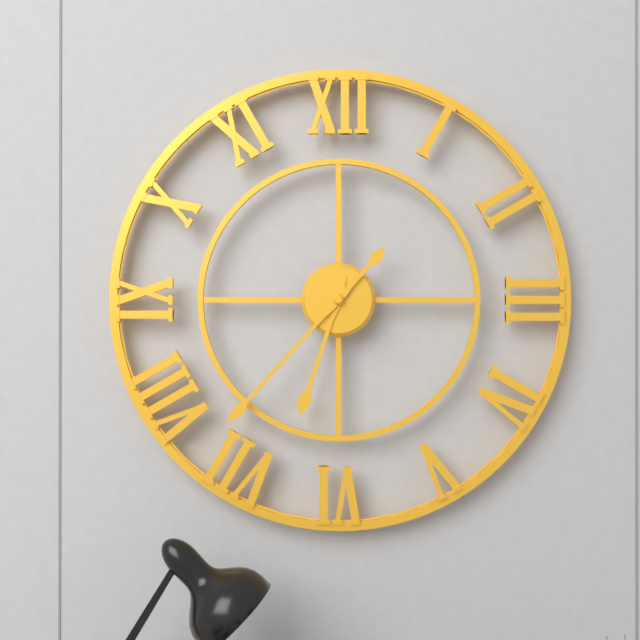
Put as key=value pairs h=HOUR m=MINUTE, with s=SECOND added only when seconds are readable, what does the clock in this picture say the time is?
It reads h=6 m=37
